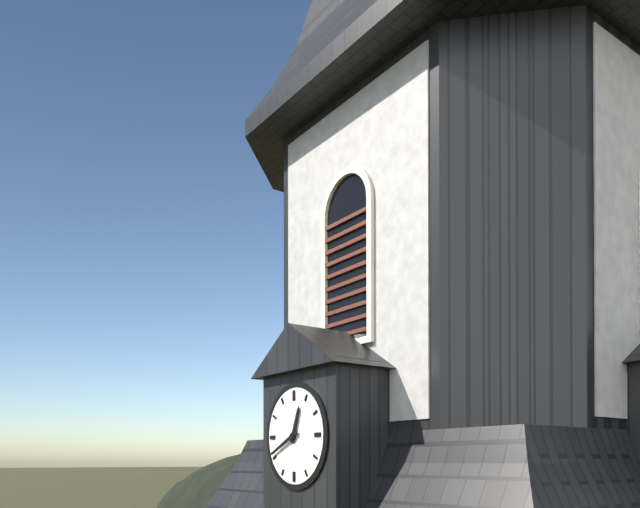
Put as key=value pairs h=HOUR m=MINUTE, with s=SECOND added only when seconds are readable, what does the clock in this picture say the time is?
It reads h=12 m=41
